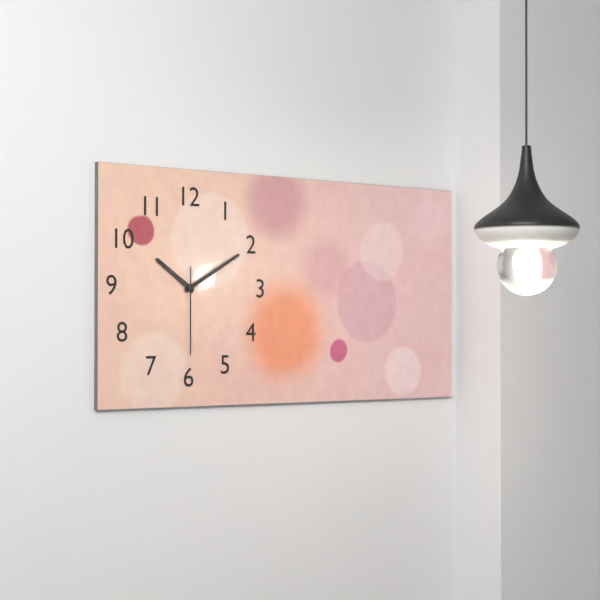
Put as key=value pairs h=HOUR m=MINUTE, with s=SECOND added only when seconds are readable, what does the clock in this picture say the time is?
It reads h=10 m=10 s=30
